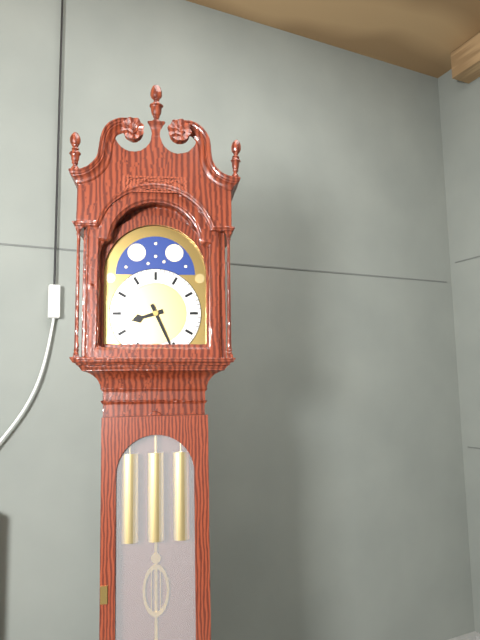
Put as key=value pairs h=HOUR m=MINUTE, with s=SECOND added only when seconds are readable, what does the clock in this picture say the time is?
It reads h=8 m=26
